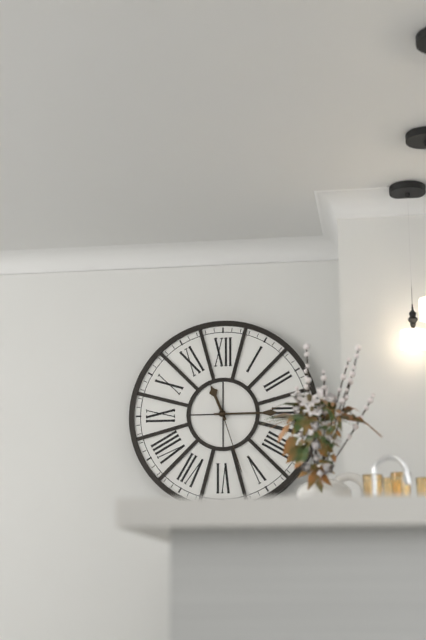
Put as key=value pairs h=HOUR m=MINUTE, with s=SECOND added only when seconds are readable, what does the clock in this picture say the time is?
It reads h=11 m=15 s=27
